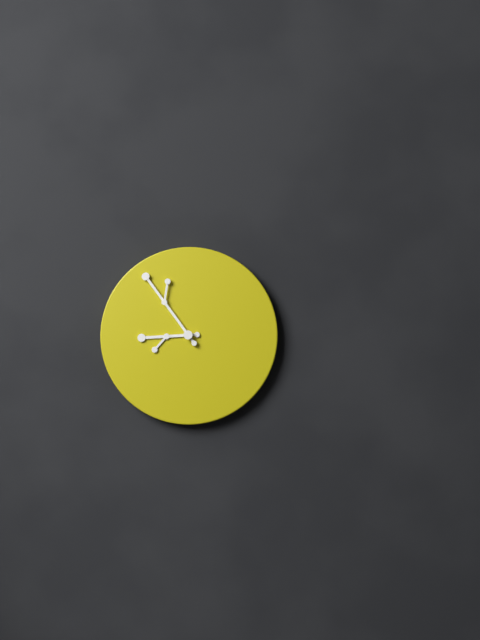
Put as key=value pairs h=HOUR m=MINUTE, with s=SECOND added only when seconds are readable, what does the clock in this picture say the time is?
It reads h=8 m=54
